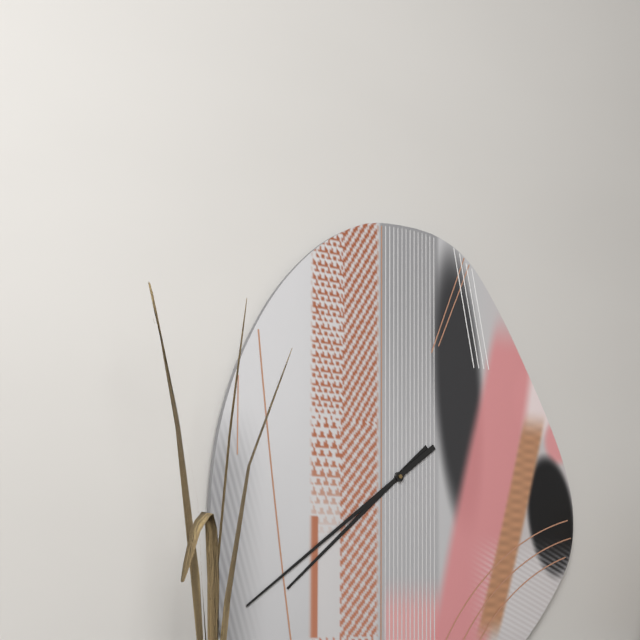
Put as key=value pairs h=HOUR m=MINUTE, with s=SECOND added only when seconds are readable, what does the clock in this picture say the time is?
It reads h=7 m=39
